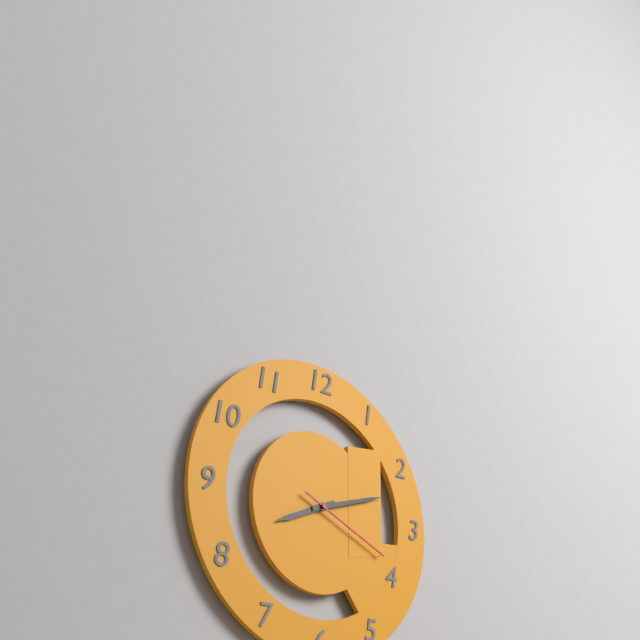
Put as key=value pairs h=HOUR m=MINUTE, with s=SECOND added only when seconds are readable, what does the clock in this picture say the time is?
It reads h=8 m=12 s=19
